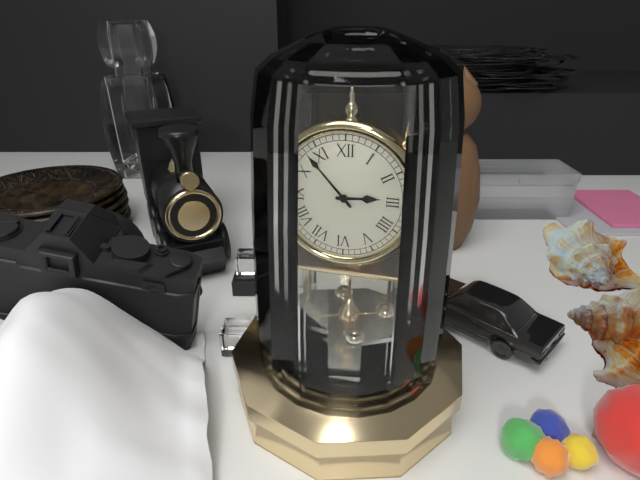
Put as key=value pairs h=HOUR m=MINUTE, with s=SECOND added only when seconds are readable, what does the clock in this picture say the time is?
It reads h=2 m=53
